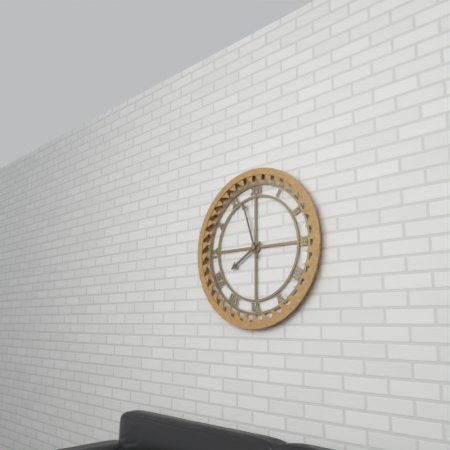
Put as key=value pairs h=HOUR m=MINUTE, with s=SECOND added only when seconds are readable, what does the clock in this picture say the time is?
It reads h=7 m=57
